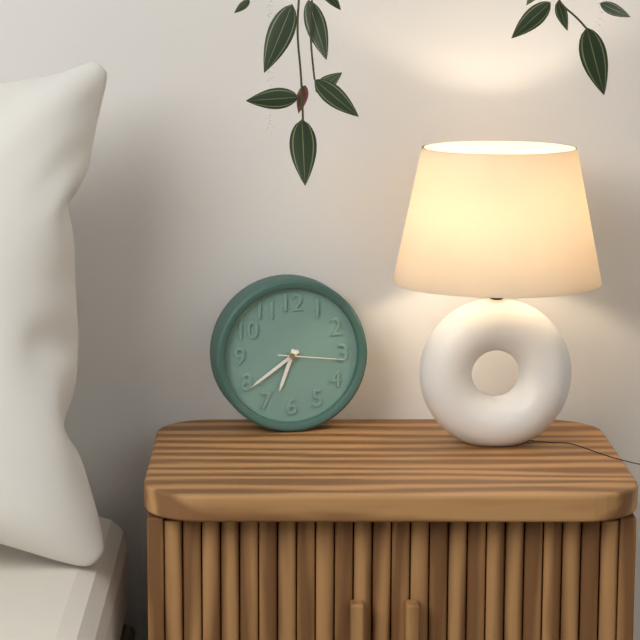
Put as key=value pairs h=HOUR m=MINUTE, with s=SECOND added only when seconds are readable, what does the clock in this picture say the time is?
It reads h=6 m=39 s=16
